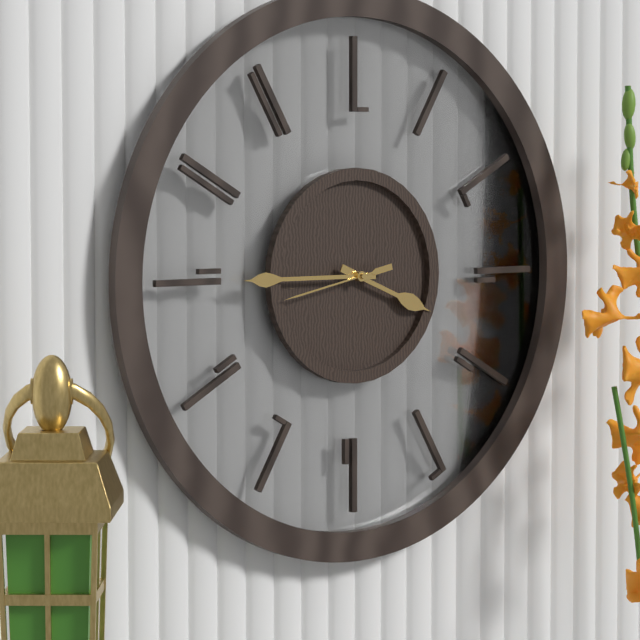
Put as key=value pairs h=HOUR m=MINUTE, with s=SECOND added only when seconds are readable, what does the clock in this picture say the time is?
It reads h=3 m=45 s=43
